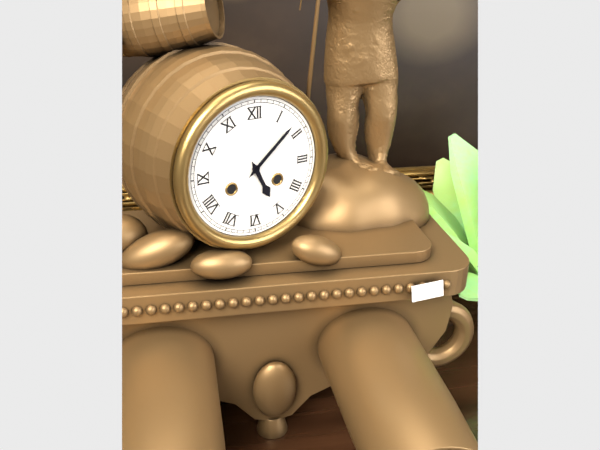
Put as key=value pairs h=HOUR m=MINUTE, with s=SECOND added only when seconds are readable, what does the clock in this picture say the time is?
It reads h=5 m=8
